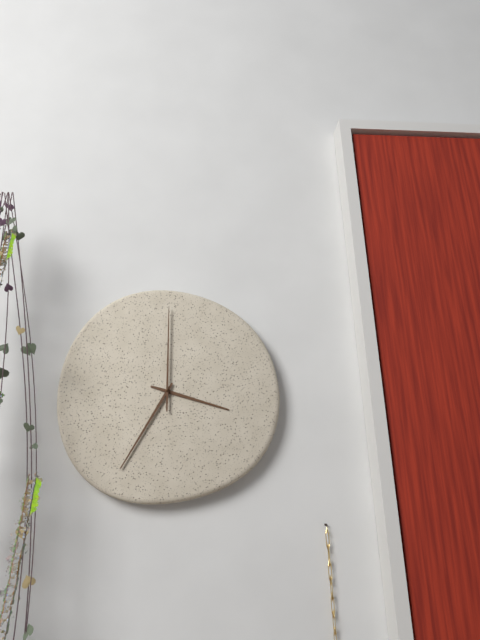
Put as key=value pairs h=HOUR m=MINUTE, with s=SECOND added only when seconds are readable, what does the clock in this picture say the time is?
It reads h=3 m=35 s=0
